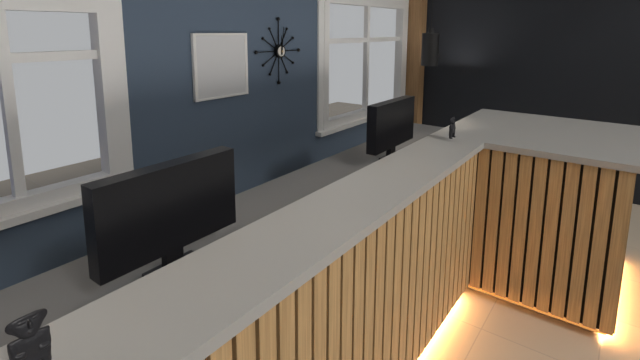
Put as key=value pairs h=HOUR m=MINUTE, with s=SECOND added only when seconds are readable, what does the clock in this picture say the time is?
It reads h=12 m=1
